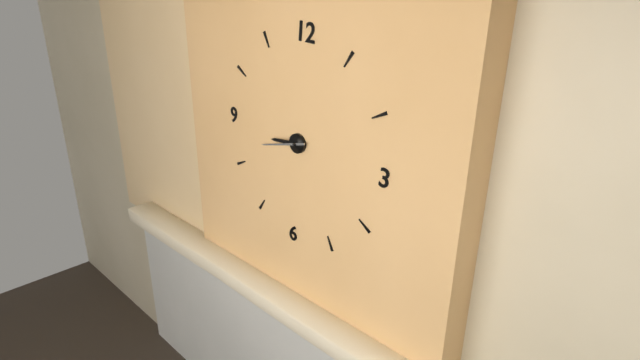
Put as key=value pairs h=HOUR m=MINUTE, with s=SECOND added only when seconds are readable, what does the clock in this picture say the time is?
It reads h=8 m=42
